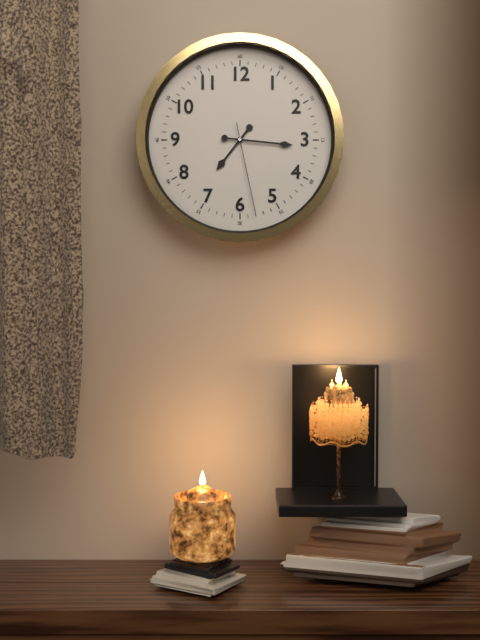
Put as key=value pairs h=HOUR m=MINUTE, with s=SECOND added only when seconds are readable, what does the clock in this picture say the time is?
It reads h=7 m=16 s=28
